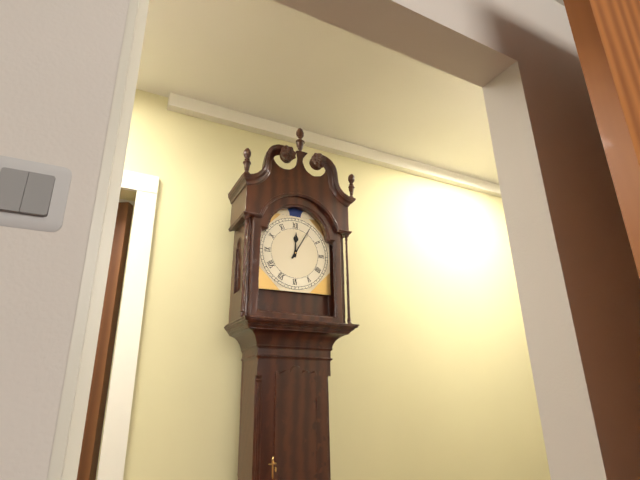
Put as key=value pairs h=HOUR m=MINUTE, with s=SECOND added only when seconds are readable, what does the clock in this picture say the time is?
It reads h=12 m=5
